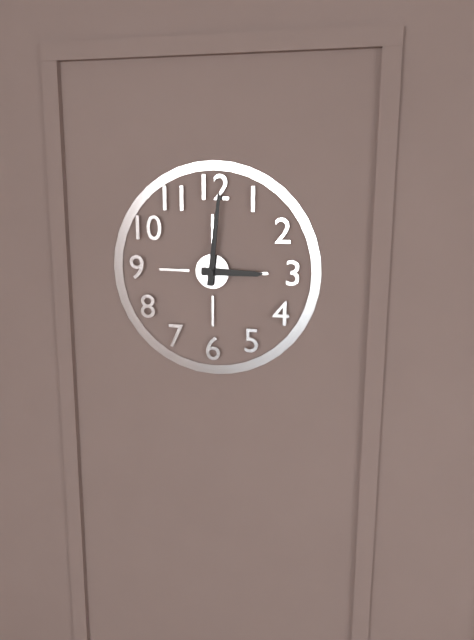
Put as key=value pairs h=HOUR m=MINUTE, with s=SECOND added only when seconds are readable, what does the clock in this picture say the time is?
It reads h=3 m=1
